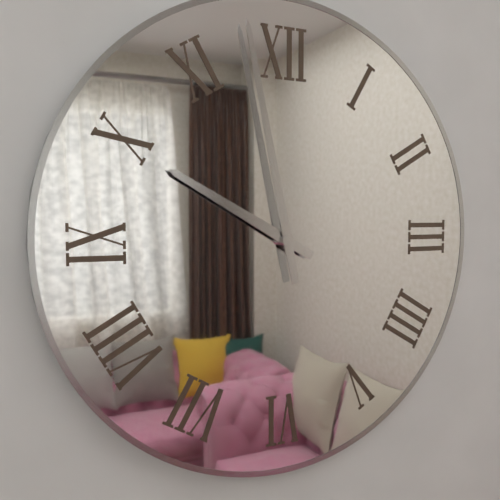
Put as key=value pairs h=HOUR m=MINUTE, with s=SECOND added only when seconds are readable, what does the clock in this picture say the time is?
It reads h=9 m=58
